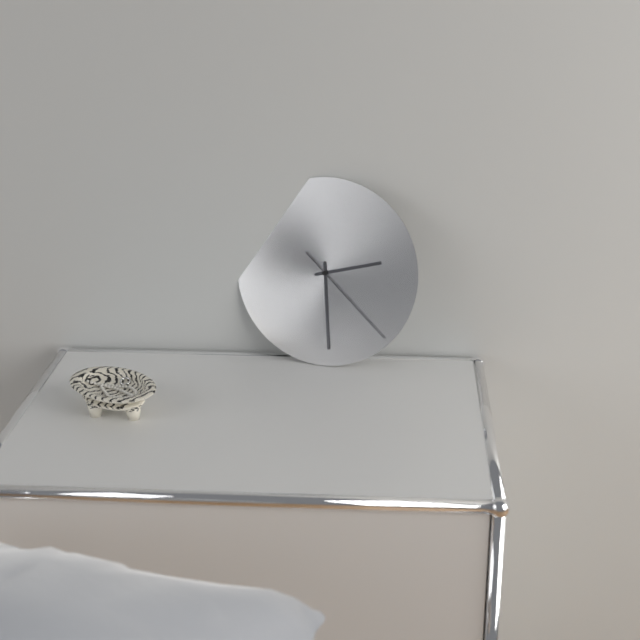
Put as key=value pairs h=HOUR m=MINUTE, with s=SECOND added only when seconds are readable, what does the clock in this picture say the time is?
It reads h=2 m=29 s=22
